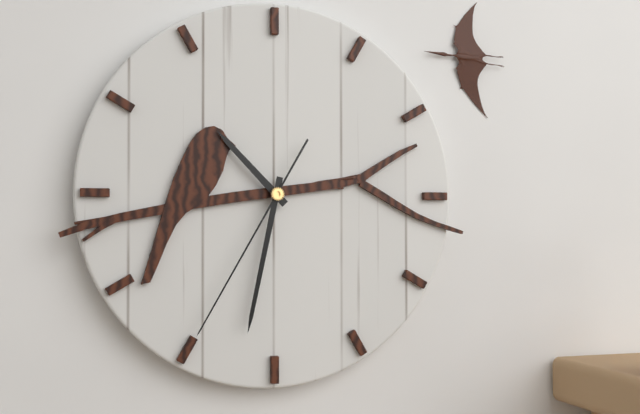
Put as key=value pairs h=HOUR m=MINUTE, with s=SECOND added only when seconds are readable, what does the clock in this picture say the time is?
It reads h=10 m=32 s=35
